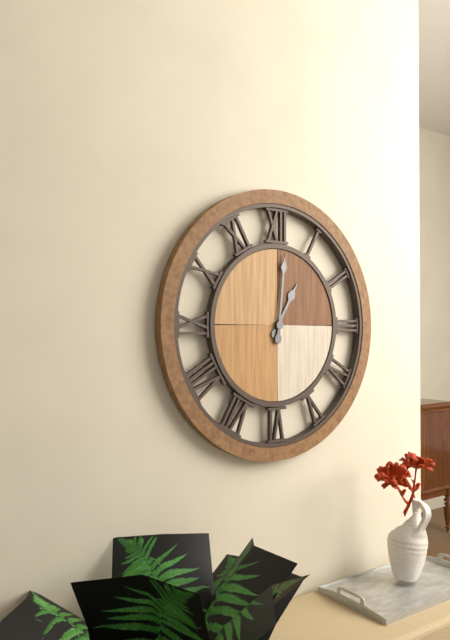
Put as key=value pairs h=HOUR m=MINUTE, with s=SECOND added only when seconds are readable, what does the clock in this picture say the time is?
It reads h=1 m=1
